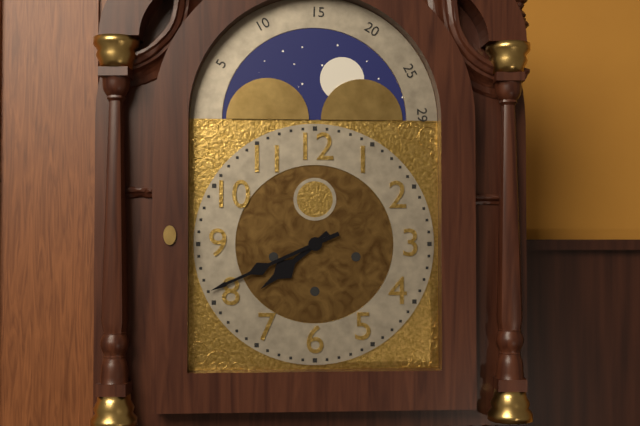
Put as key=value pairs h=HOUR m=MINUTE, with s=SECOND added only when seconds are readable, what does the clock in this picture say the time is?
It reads h=7 m=41
